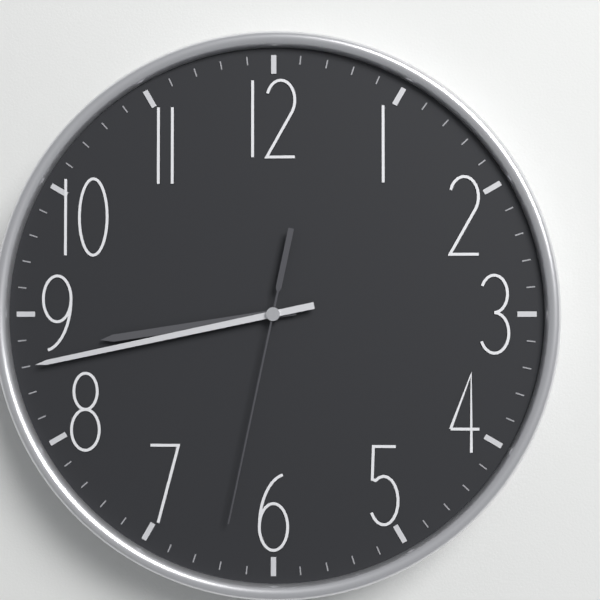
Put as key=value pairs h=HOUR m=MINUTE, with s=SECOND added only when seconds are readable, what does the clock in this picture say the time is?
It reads h=8 m=43 s=32
